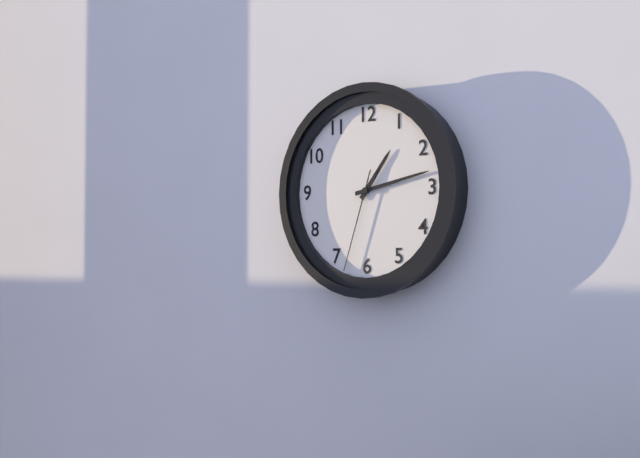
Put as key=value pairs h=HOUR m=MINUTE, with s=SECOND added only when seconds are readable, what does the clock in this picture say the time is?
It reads h=1 m=13 s=33
